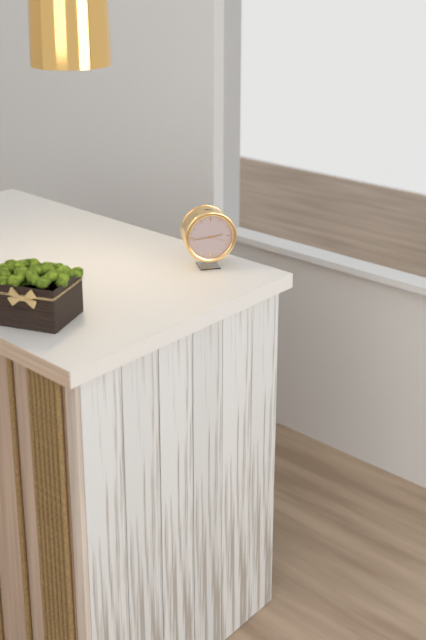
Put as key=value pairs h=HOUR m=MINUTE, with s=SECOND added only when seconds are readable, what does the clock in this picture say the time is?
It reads h=2 m=44
